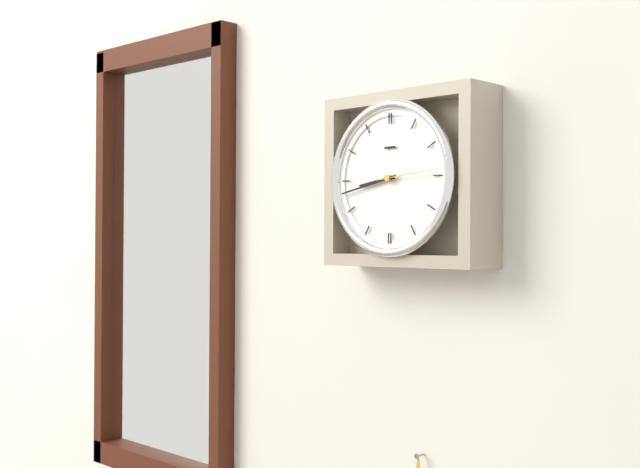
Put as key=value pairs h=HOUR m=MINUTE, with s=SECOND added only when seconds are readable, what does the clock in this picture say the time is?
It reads h=8 m=43 s=14
